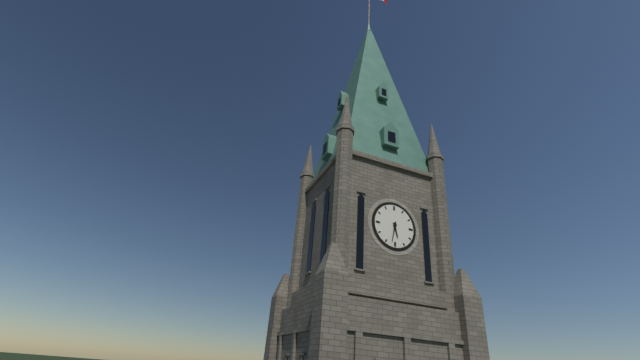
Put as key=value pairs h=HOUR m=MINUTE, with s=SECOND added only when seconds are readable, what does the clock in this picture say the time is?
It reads h=5 m=32
